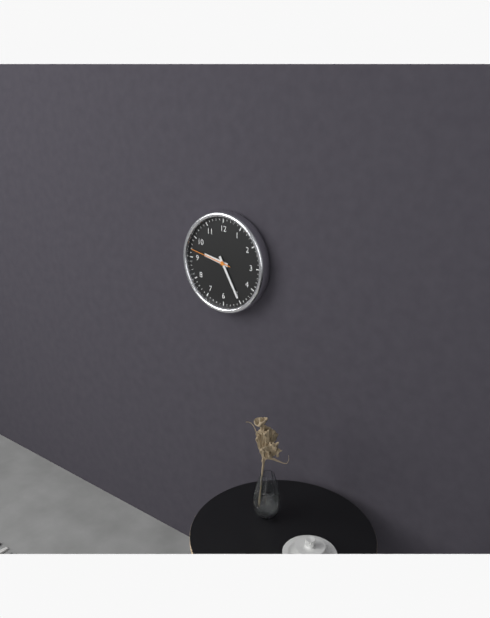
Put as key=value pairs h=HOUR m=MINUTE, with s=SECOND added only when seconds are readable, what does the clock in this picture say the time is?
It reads h=9 m=25
